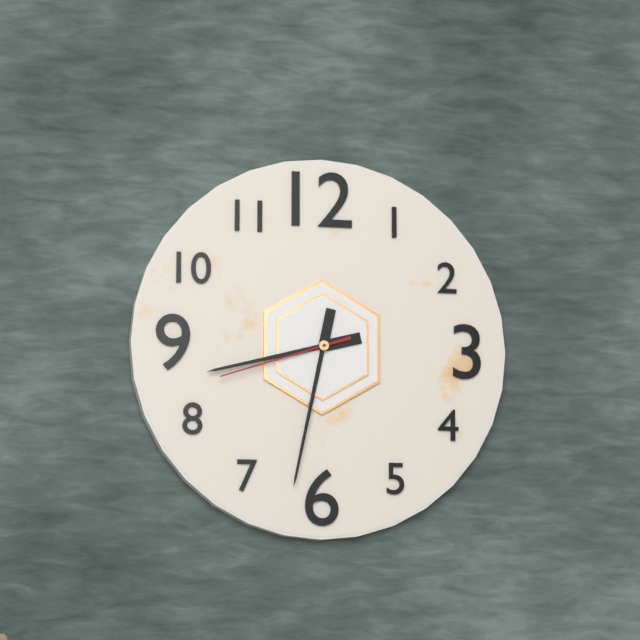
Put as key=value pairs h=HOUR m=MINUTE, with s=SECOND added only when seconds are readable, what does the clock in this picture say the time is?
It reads h=8 m=32 s=42
